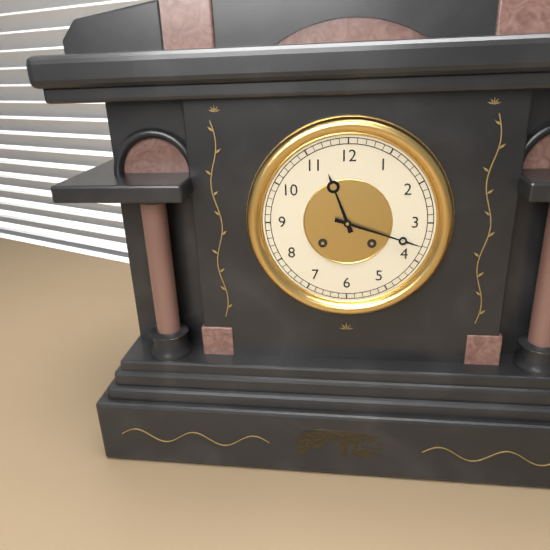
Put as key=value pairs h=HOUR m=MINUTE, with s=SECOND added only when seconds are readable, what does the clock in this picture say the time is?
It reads h=11 m=18
